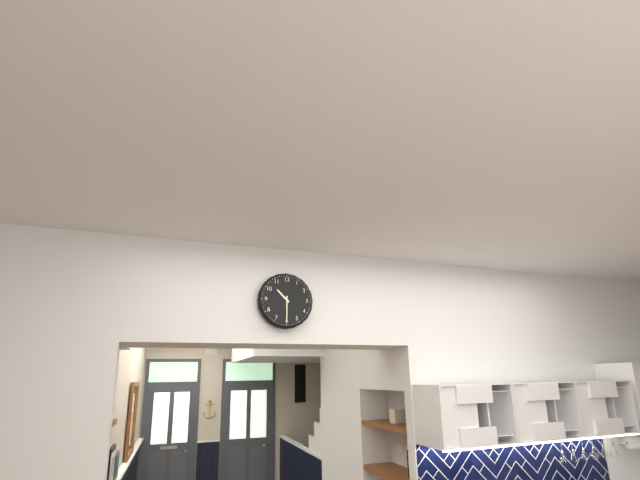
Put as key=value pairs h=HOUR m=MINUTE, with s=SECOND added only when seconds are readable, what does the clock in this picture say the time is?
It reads h=10 m=30
